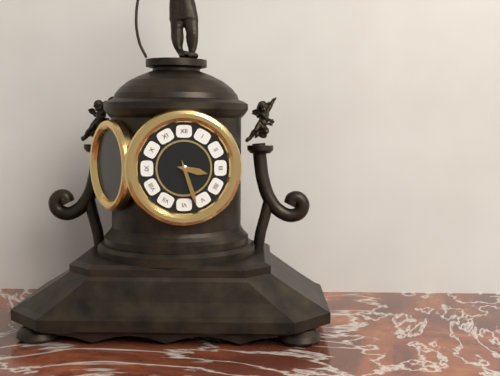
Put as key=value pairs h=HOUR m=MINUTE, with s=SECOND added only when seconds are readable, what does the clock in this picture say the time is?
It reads h=3 m=27
